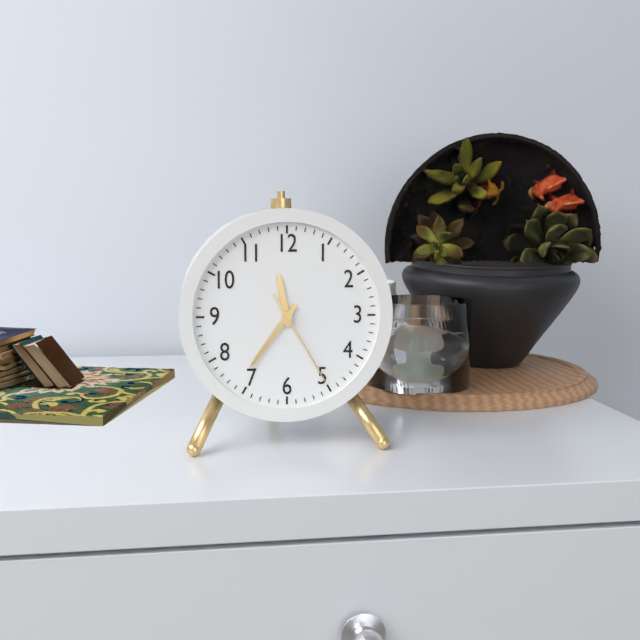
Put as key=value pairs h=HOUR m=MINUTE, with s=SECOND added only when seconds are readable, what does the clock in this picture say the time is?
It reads h=11 m=36 s=25
